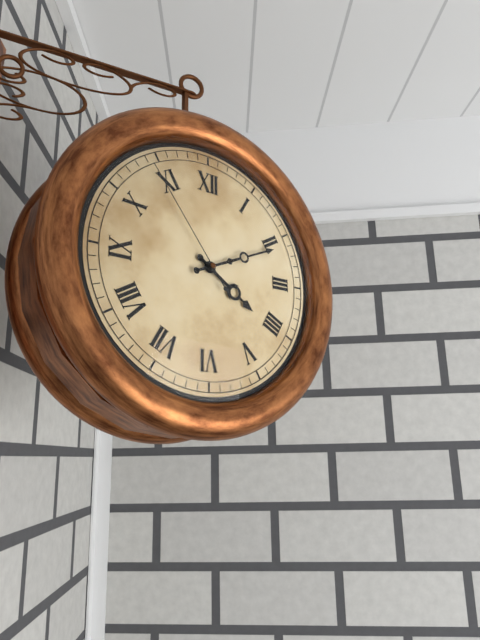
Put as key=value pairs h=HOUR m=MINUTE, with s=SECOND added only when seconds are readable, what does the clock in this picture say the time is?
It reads h=4 m=11 s=54
